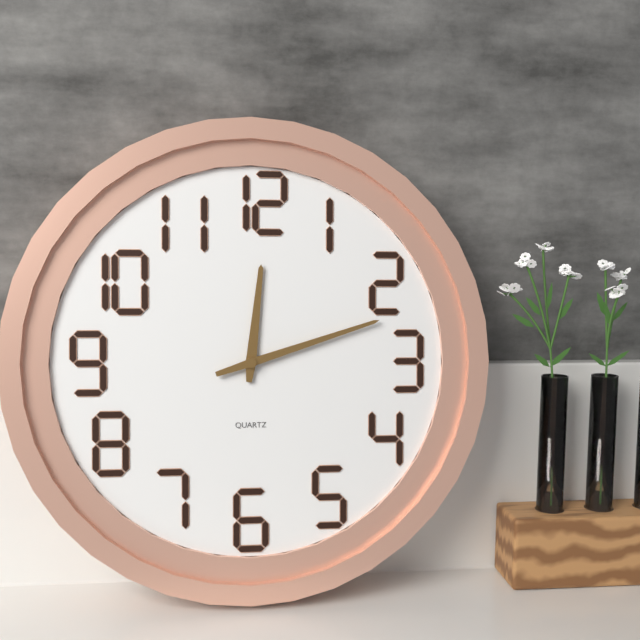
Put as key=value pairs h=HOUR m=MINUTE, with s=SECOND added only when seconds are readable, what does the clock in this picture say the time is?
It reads h=12 m=12
